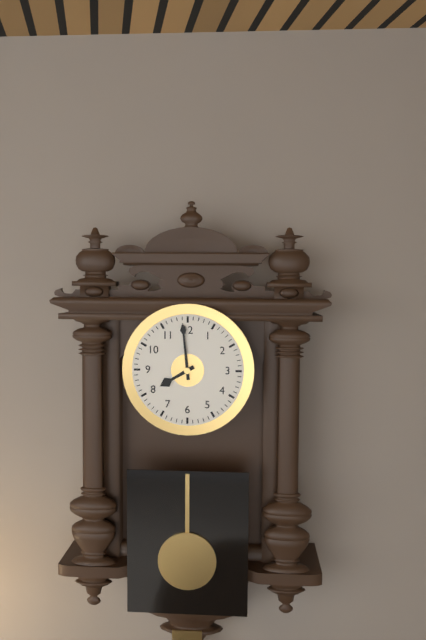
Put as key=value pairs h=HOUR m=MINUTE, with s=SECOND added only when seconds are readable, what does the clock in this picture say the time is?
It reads h=7 m=59
